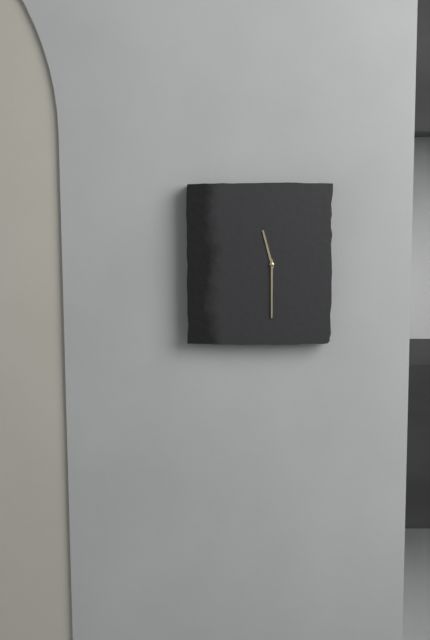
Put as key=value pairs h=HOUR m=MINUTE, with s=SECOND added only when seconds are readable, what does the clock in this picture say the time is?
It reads h=11 m=30
